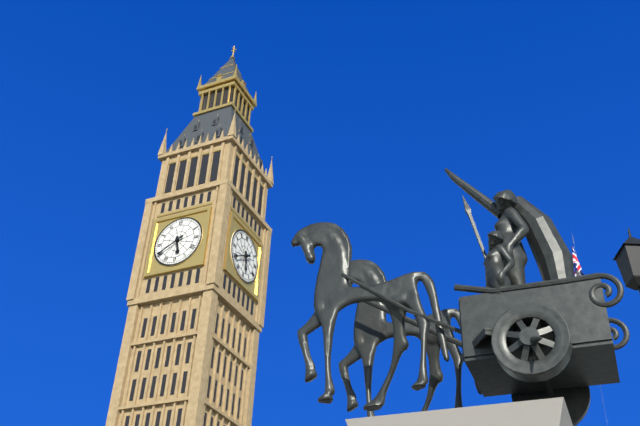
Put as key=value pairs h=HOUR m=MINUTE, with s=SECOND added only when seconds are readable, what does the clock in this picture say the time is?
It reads h=5 m=40
